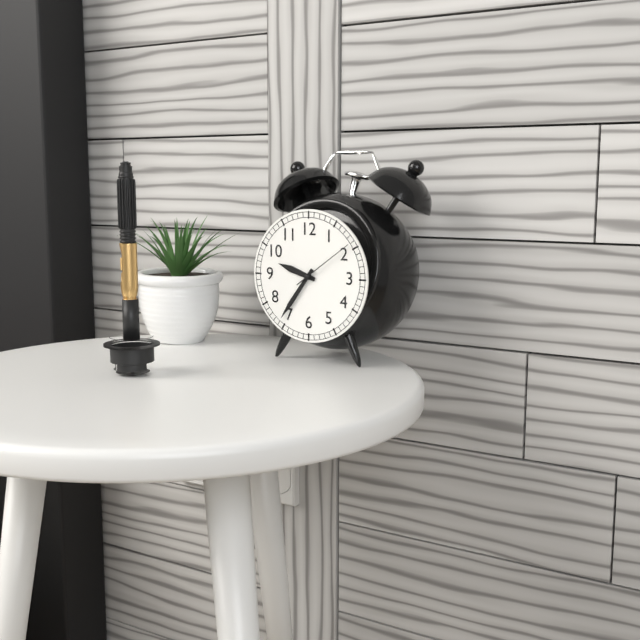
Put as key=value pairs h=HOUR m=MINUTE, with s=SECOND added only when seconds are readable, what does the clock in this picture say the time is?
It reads h=9 m=36 s=9
